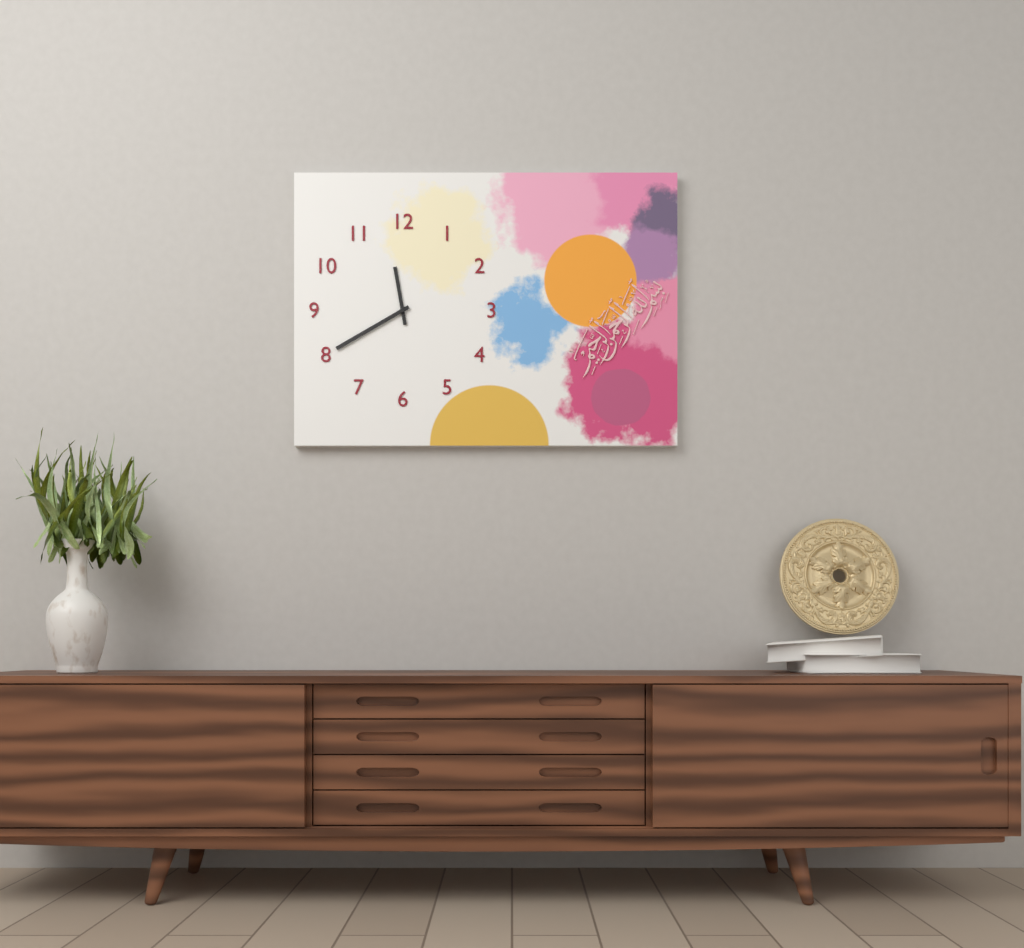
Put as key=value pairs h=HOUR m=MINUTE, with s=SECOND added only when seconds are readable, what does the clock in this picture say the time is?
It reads h=11 m=40
